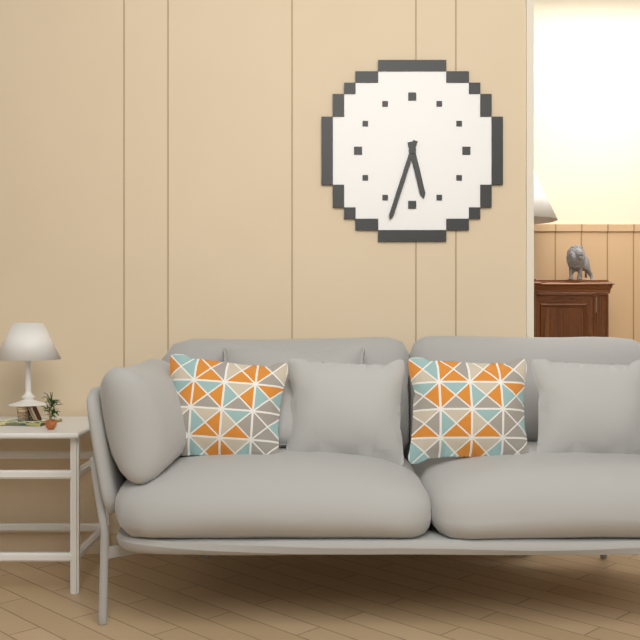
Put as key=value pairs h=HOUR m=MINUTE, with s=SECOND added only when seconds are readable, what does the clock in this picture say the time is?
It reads h=5 m=33
